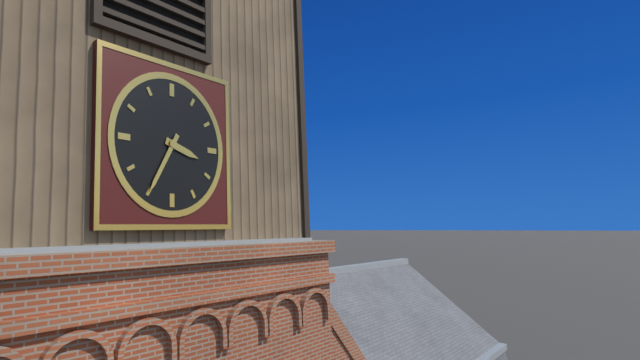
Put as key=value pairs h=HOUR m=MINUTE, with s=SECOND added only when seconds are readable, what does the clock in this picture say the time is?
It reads h=3 m=35
